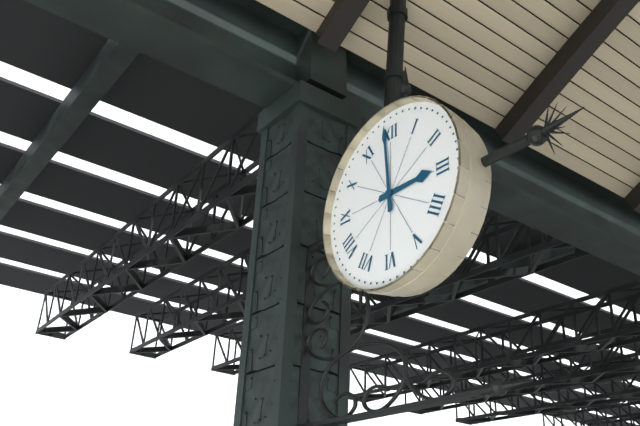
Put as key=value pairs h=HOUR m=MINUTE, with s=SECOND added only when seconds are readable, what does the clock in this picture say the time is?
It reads h=2 m=59
